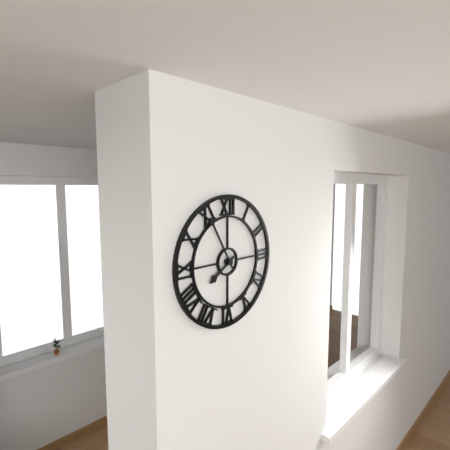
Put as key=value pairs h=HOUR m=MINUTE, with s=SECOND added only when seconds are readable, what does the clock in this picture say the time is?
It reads h=7 m=55
